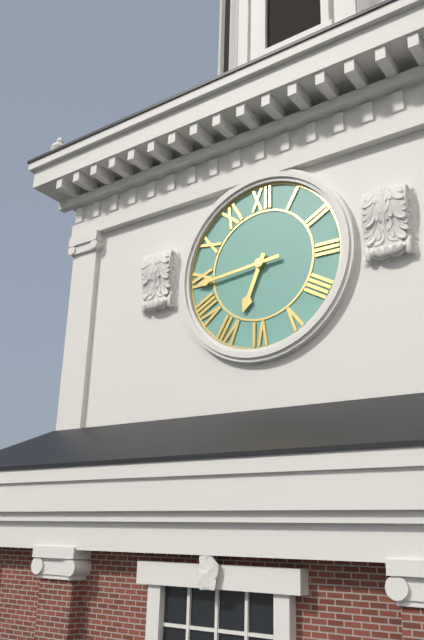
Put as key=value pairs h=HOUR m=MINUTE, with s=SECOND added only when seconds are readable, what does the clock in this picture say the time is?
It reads h=6 m=44
